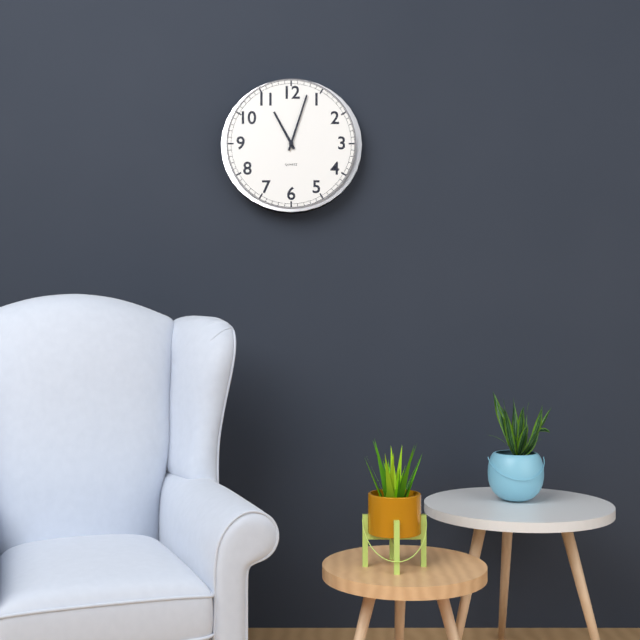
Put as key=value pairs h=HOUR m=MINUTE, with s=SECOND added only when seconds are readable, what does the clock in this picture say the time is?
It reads h=11 m=3
